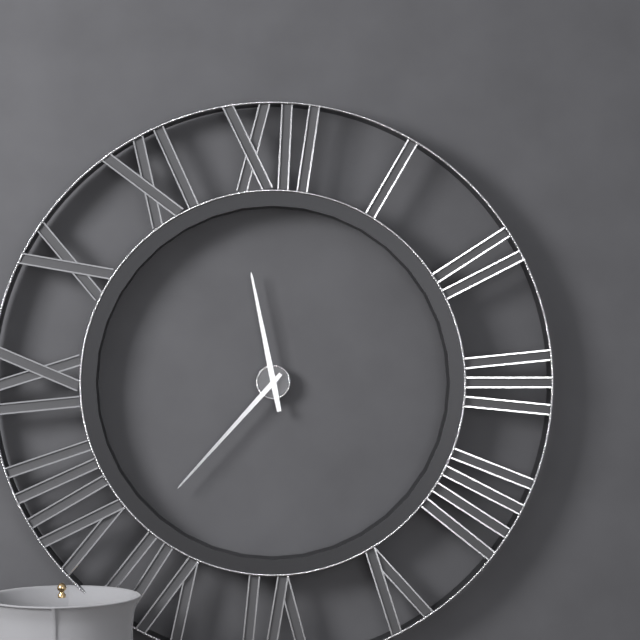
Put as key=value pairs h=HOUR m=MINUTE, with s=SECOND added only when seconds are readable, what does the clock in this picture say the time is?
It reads h=11 m=37
